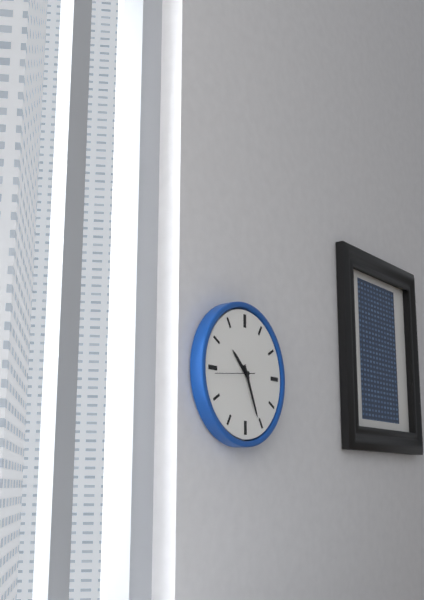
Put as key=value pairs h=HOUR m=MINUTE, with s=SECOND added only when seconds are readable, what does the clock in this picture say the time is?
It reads h=10 m=26
